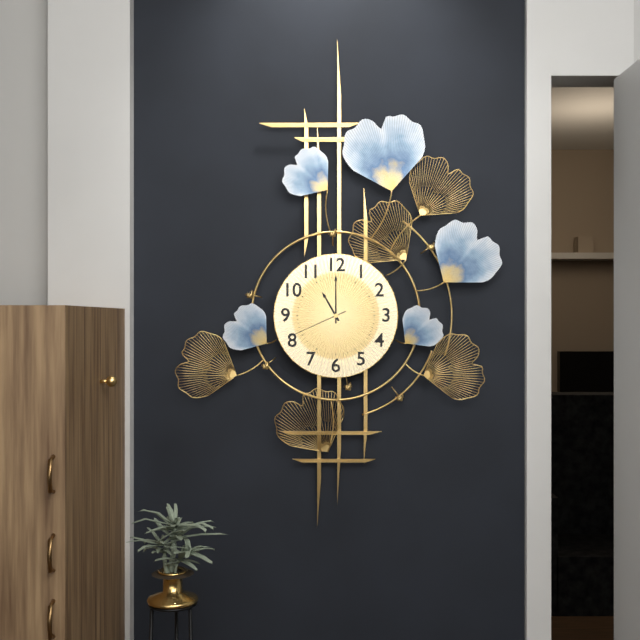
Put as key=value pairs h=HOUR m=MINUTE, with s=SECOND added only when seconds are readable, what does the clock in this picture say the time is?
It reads h=11 m=0 s=41
